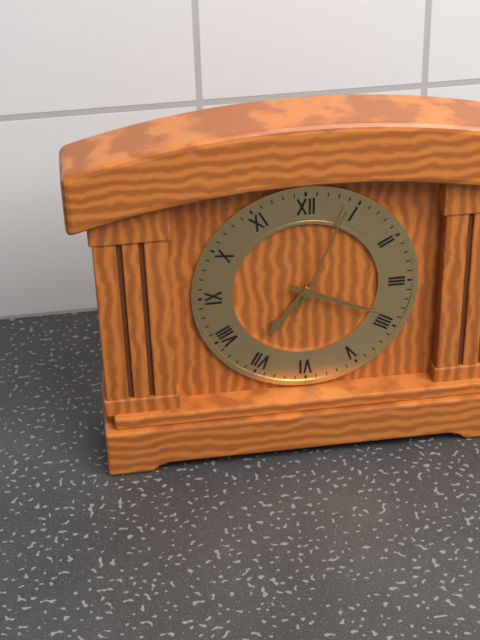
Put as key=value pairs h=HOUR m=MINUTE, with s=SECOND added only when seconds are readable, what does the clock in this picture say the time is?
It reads h=7 m=19 s=4
